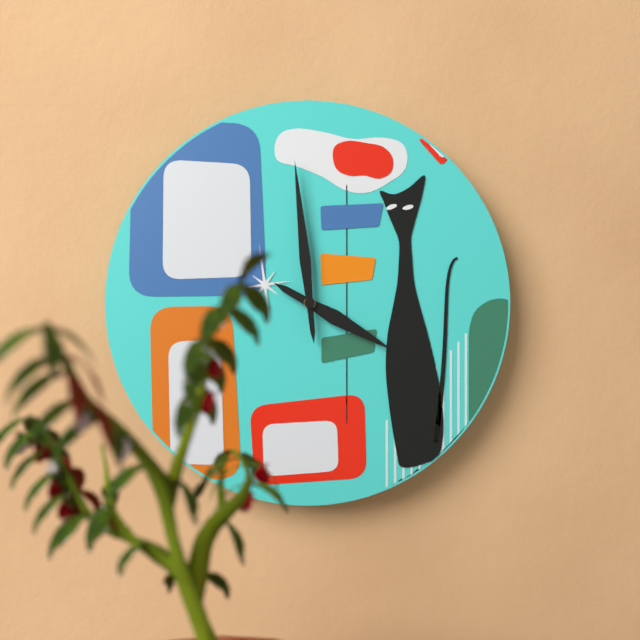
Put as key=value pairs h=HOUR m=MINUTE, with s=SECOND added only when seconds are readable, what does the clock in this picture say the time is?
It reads h=3 m=59
